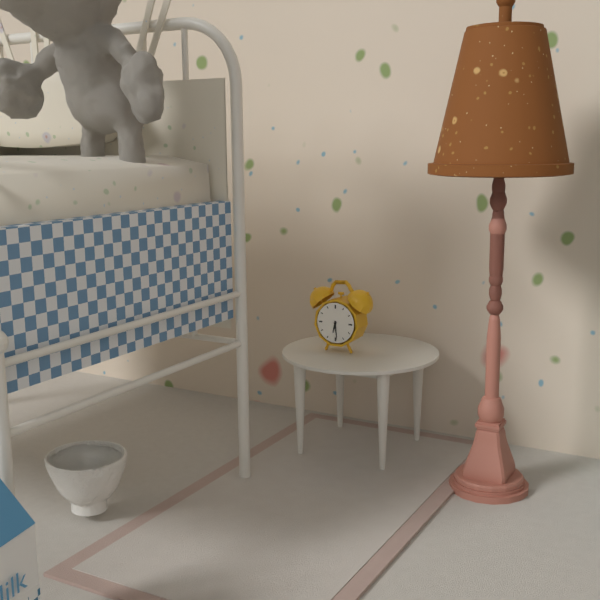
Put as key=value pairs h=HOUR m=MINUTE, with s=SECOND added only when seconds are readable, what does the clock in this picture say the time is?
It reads h=6 m=29
